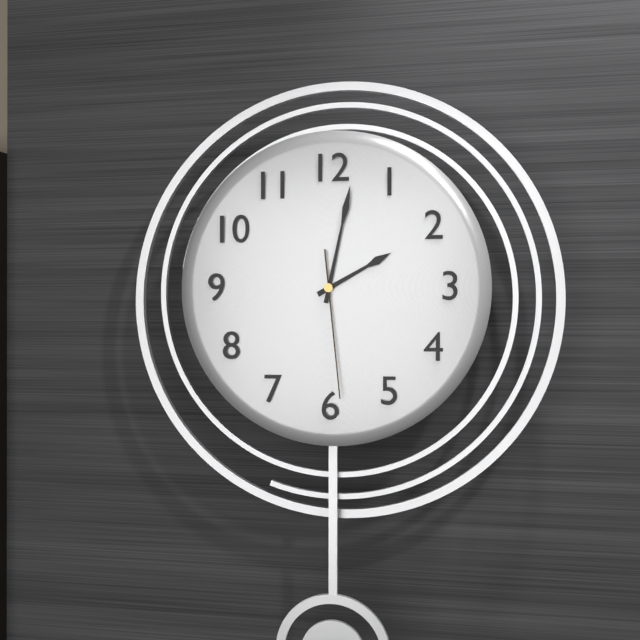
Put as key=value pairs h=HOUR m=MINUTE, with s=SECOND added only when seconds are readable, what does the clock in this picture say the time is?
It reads h=2 m=2 s=29
